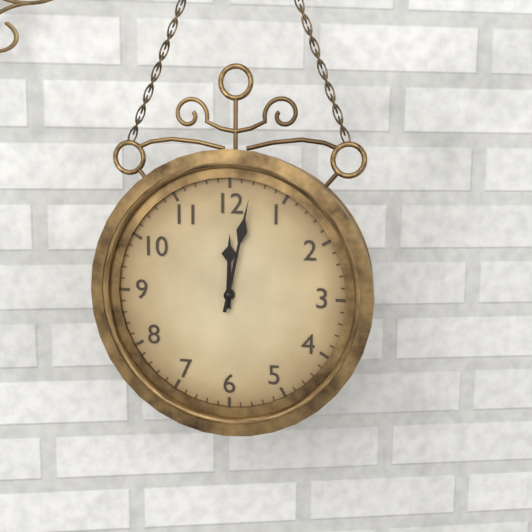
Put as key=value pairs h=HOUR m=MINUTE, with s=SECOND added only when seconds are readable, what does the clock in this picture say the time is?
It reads h=12 m=2
